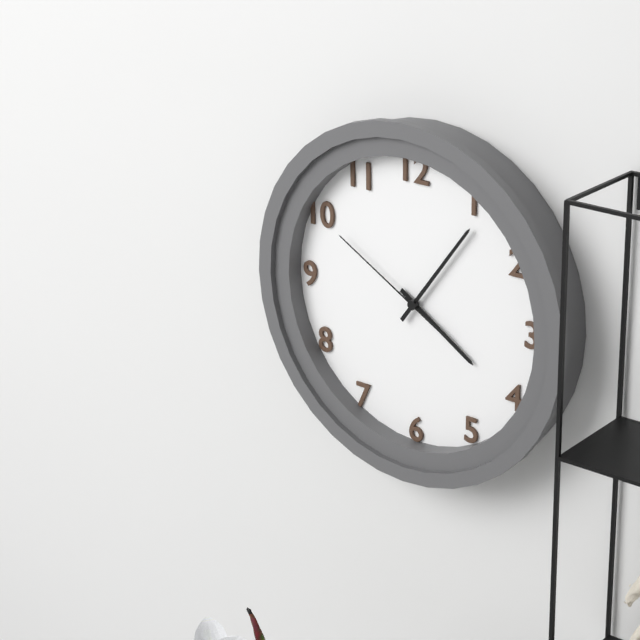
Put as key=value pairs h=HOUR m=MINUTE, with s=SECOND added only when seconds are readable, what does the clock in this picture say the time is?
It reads h=4 m=6 s=50
